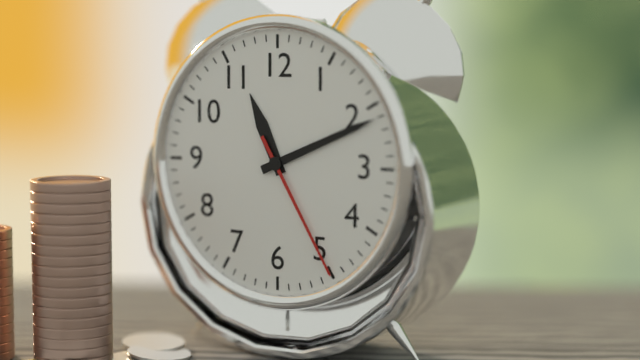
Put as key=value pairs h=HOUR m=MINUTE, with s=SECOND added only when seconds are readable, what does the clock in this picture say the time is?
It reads h=11 m=11 s=25
